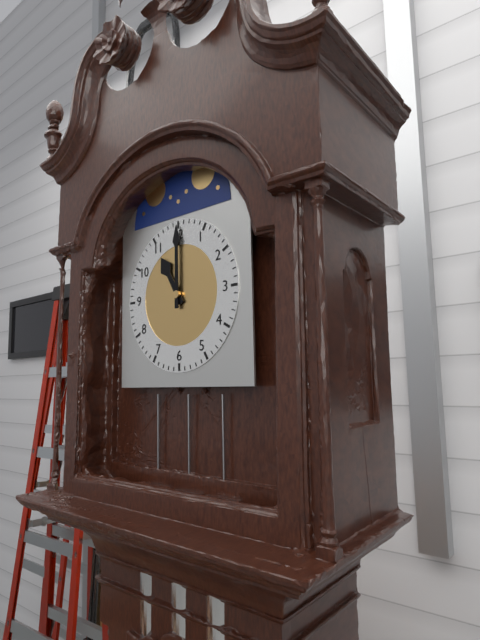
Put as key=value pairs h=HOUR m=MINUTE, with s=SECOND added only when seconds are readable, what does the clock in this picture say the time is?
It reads h=11 m=0
